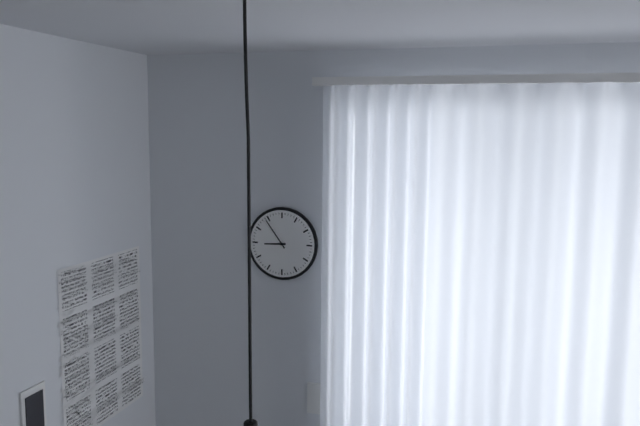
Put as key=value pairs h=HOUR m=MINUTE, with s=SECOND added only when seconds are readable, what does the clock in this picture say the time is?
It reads h=8 m=54
